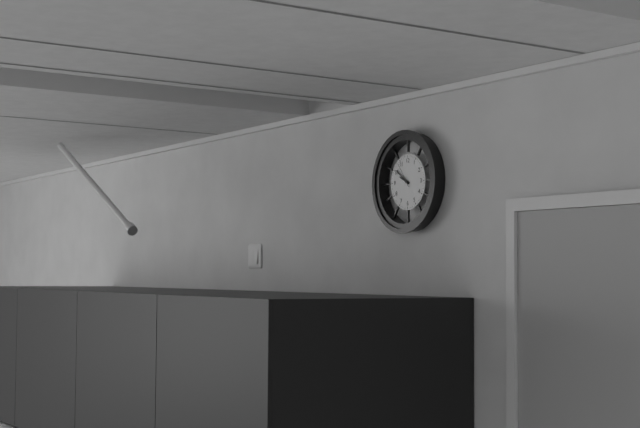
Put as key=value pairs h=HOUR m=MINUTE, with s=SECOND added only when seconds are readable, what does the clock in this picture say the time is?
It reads h=9 m=51
